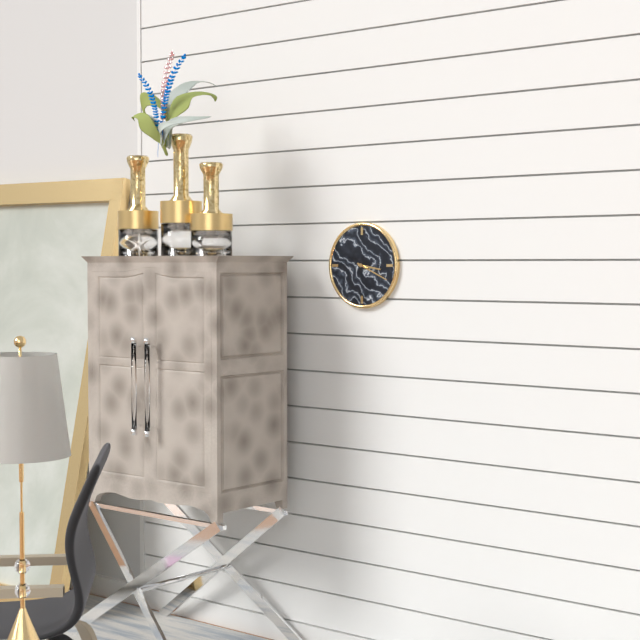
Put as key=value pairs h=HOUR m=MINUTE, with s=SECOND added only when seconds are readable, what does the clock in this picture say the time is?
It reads h=3 m=19
